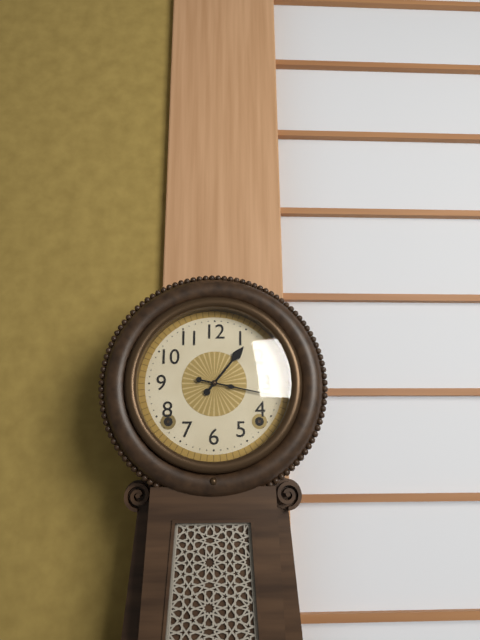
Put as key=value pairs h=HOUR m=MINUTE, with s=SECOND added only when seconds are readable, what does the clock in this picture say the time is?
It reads h=1 m=17
